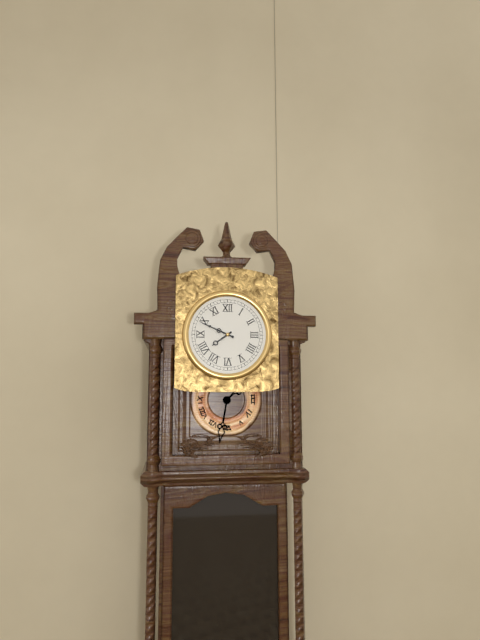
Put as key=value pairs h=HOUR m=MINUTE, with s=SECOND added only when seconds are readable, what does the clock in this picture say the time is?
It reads h=7 m=49
